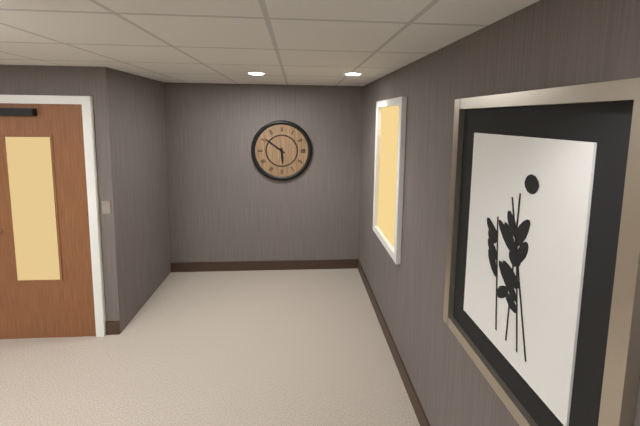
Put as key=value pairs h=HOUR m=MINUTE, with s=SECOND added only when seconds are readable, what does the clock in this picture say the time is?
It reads h=5 m=51
